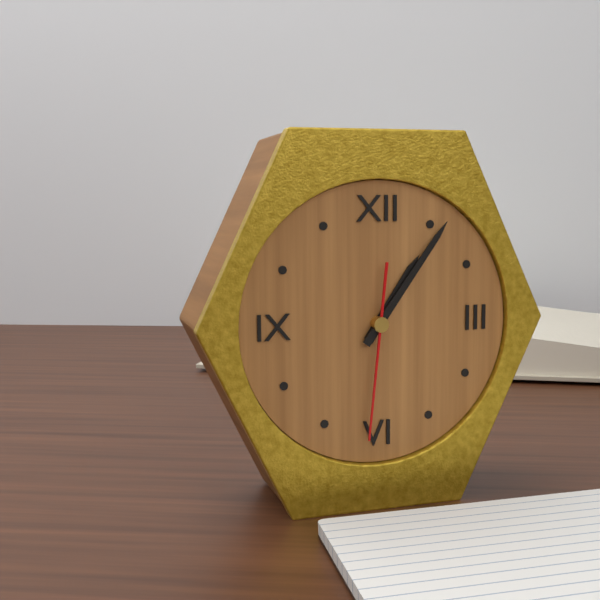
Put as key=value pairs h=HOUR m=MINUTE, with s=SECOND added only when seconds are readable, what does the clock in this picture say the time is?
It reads h=1 m=6 s=31
